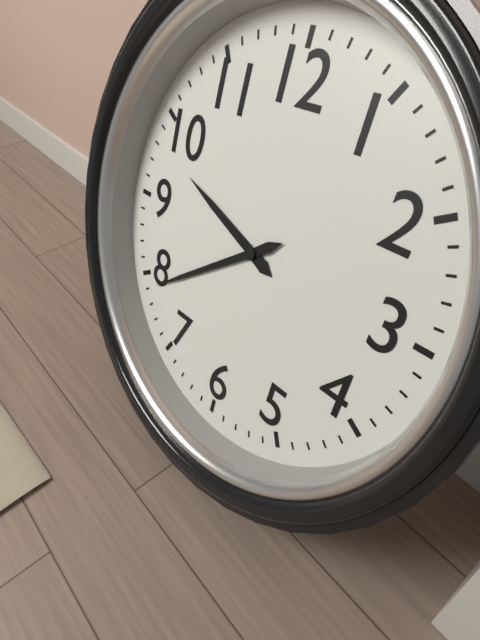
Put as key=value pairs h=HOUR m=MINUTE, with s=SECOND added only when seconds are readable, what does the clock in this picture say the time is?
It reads h=9 m=39
